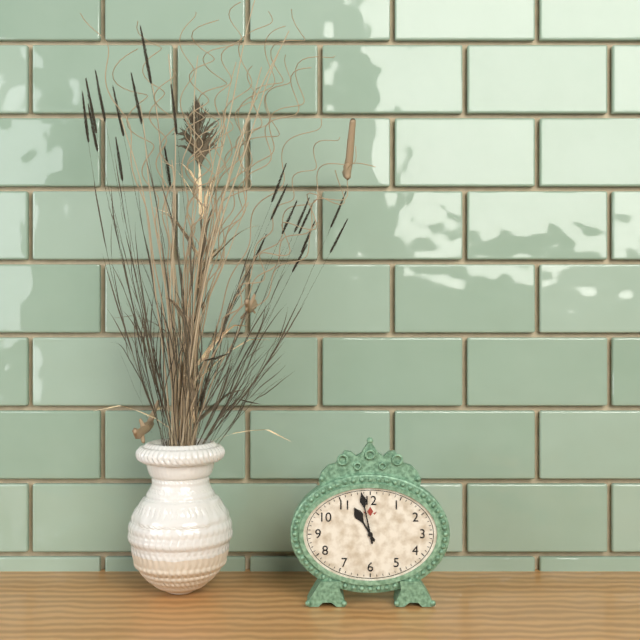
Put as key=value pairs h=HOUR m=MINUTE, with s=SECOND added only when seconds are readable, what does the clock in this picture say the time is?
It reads h=10 m=58
